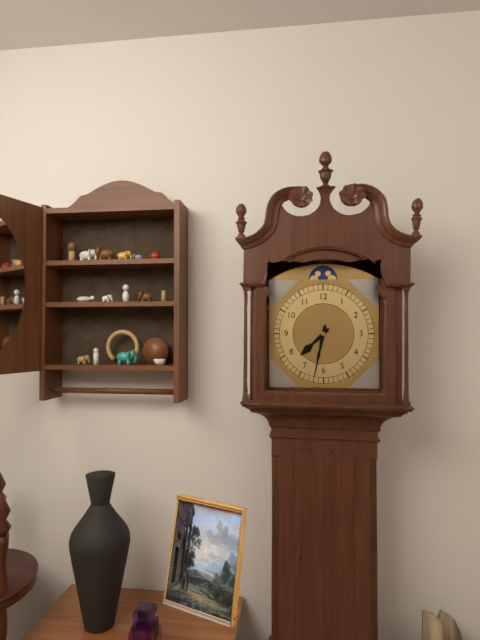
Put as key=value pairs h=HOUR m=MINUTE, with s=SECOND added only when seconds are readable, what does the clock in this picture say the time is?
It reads h=7 m=32
